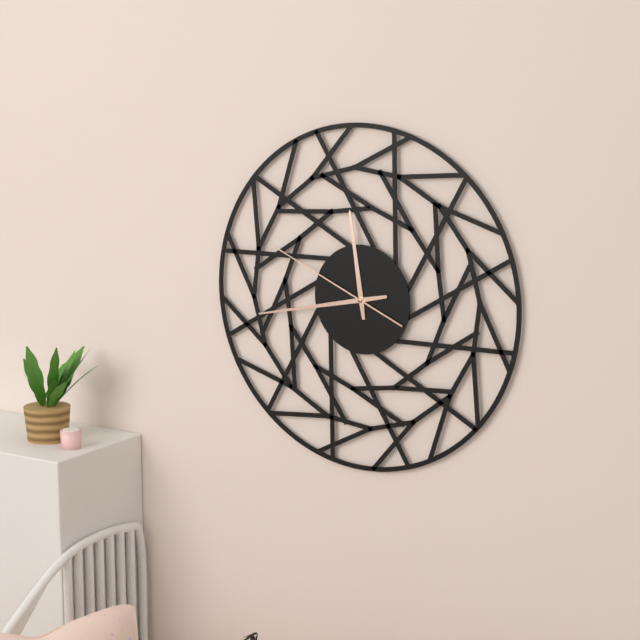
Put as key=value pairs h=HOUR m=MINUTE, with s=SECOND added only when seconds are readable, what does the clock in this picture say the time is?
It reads h=11 m=43 s=49
